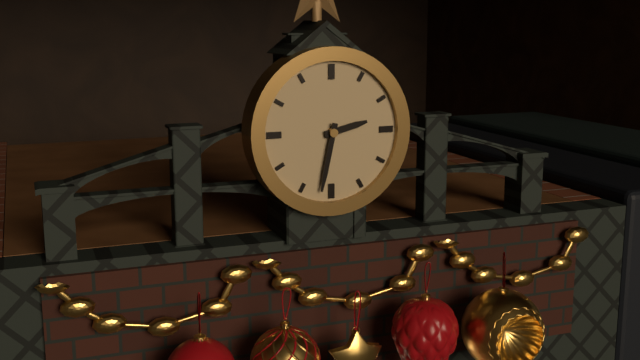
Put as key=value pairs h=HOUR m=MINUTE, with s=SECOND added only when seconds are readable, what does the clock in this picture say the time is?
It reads h=2 m=32
